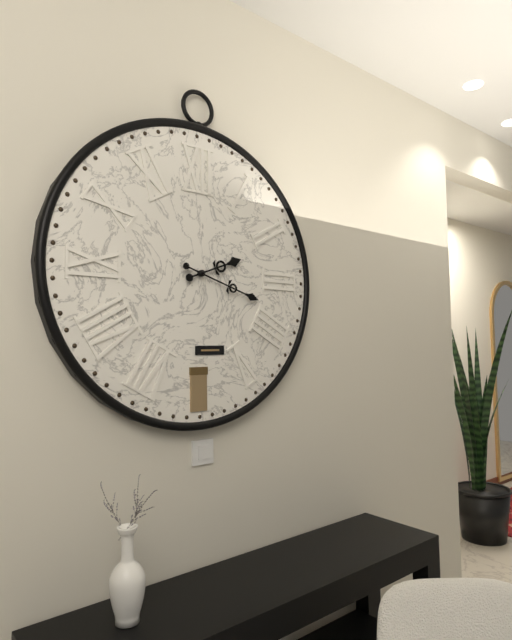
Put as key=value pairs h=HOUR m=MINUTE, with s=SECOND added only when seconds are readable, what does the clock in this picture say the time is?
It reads h=2 m=18
